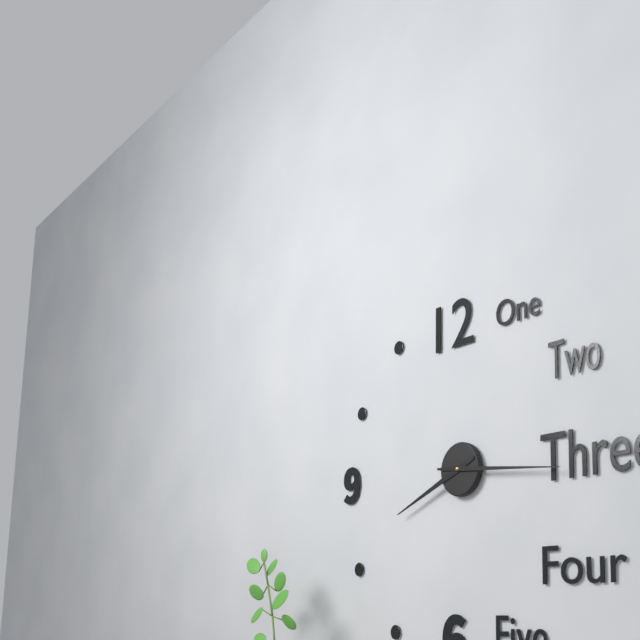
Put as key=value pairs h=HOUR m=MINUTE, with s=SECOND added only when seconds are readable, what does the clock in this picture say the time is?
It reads h=8 m=16
